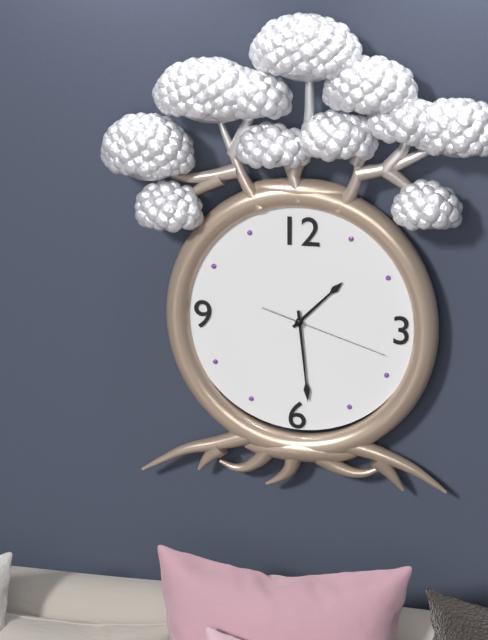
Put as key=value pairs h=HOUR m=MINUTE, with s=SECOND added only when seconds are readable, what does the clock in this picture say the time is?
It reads h=1 m=29 s=18
